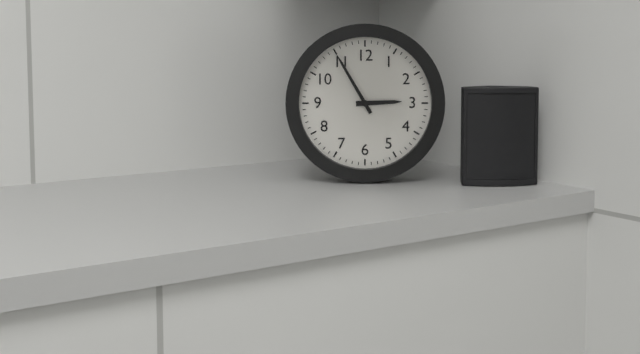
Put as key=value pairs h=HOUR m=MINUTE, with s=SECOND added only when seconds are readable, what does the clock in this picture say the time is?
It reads h=2 m=55
